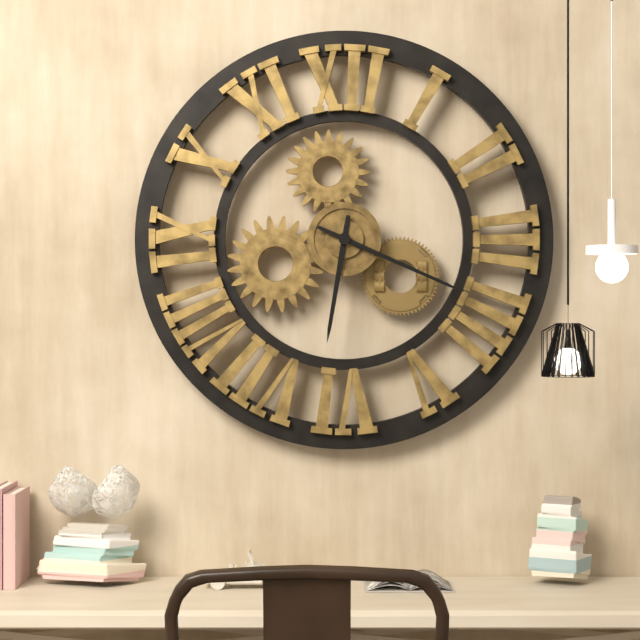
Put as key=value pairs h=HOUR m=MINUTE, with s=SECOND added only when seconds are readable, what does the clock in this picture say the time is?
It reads h=6 m=19
